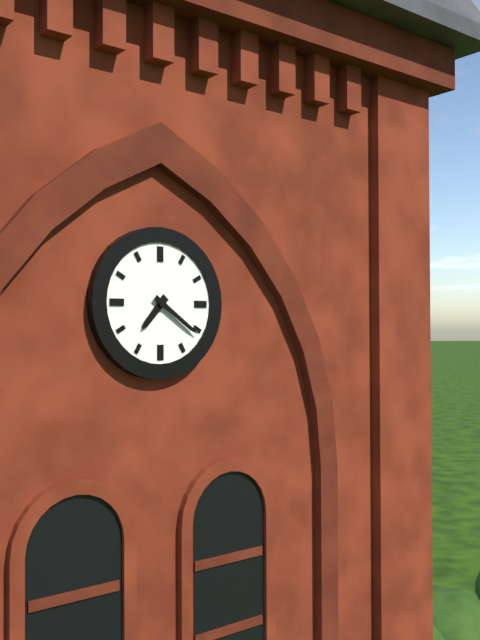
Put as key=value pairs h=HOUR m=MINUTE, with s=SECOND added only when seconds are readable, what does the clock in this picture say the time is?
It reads h=7 m=21
